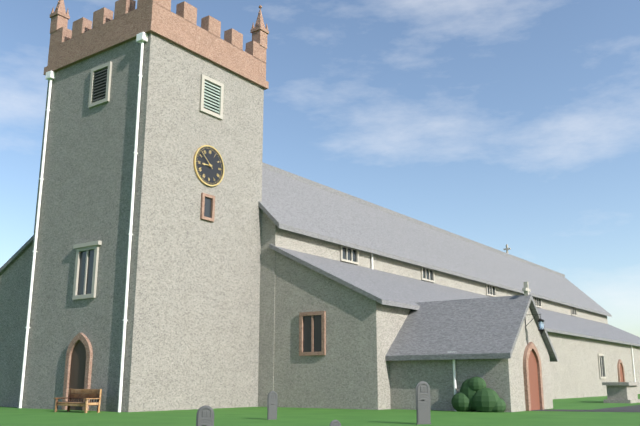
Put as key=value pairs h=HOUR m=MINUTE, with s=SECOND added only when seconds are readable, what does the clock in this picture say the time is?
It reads h=8 m=52
